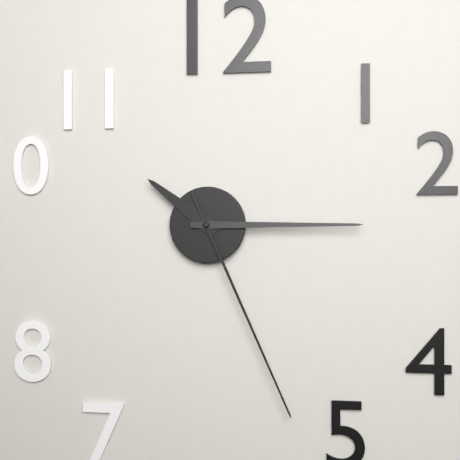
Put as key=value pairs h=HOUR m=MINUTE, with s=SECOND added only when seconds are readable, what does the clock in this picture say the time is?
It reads h=10 m=15 s=26
